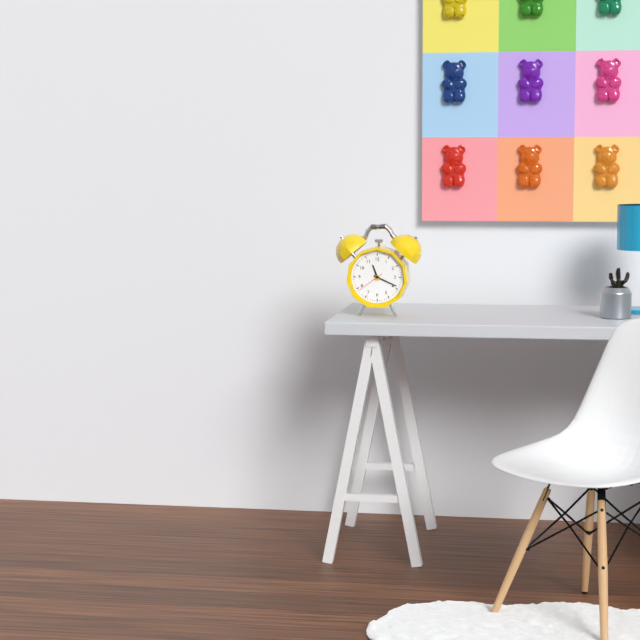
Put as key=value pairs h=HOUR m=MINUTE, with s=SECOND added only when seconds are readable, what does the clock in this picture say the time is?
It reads h=11 m=19
